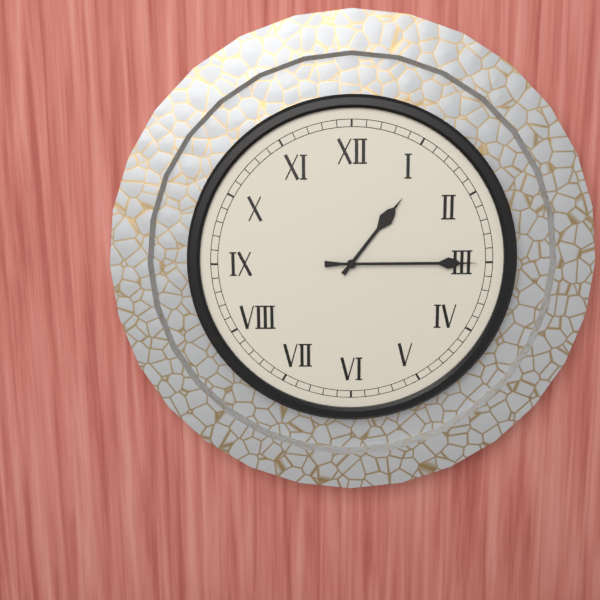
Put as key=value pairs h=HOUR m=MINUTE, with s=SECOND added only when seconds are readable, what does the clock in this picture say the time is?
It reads h=1 m=15
